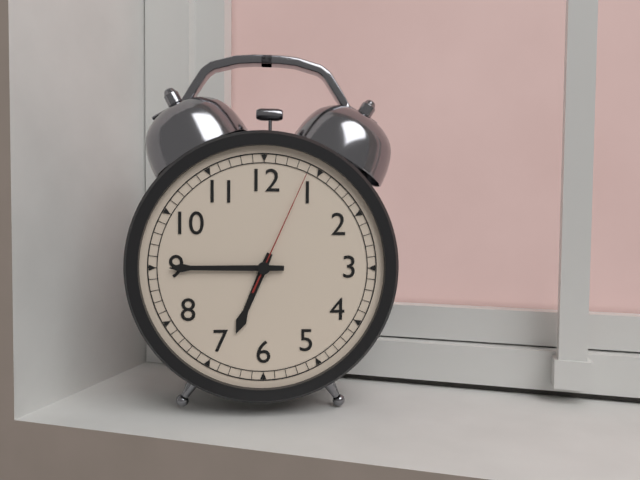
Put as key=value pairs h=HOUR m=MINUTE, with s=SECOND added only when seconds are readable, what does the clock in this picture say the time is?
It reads h=6 m=45 s=4
